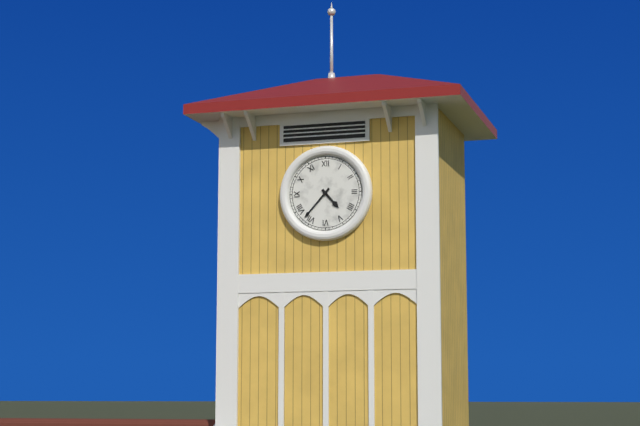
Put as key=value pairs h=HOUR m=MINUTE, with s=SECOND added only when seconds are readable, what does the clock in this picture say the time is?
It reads h=4 m=37
